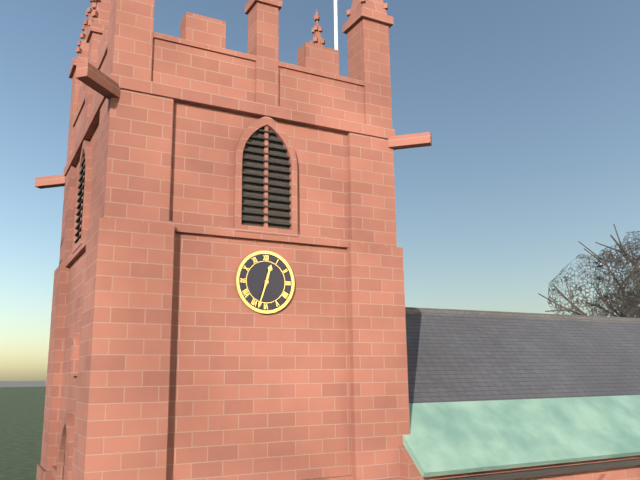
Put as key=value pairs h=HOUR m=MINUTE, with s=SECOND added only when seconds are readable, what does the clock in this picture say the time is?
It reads h=12 m=33
